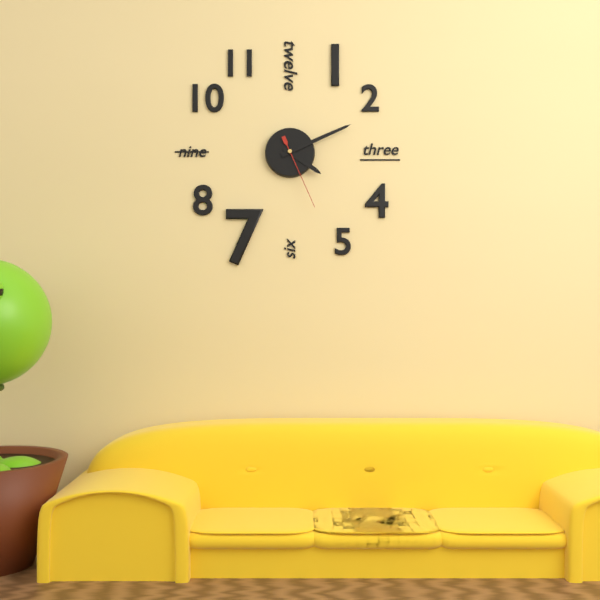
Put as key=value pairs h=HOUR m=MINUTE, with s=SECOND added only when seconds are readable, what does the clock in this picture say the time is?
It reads h=4 m=11 s=26
